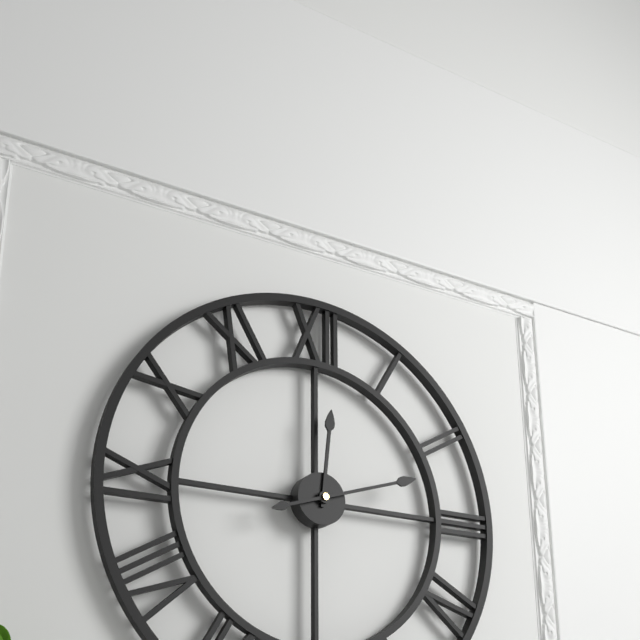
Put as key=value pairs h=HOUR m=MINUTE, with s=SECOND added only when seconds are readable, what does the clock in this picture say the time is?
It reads h=12 m=12
